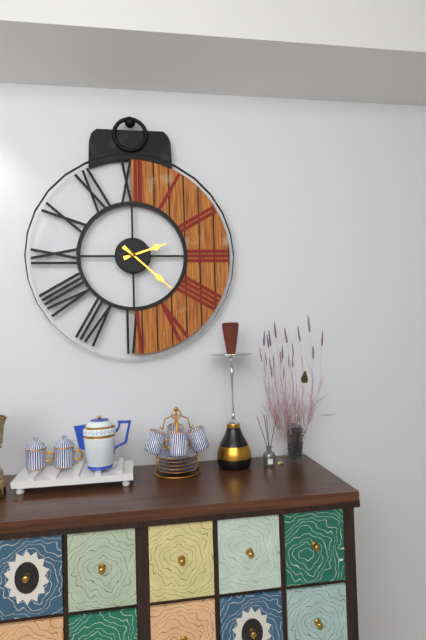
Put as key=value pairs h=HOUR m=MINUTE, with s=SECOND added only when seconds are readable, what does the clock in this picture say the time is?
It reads h=2 m=22
